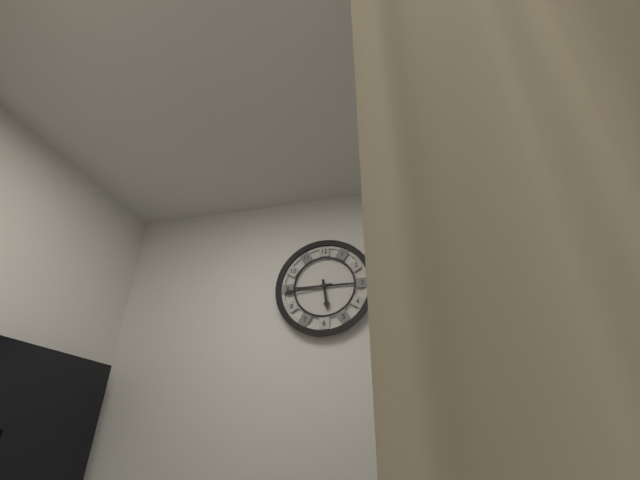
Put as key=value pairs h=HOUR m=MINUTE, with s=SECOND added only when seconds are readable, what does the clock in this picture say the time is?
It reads h=5 m=44
